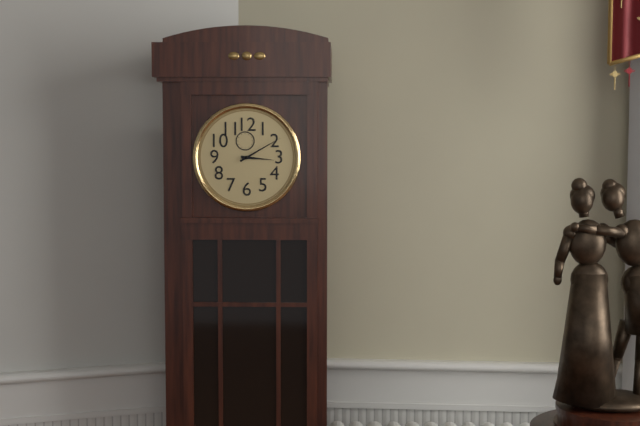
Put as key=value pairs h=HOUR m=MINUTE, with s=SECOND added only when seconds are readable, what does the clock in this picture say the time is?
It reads h=3 m=10
